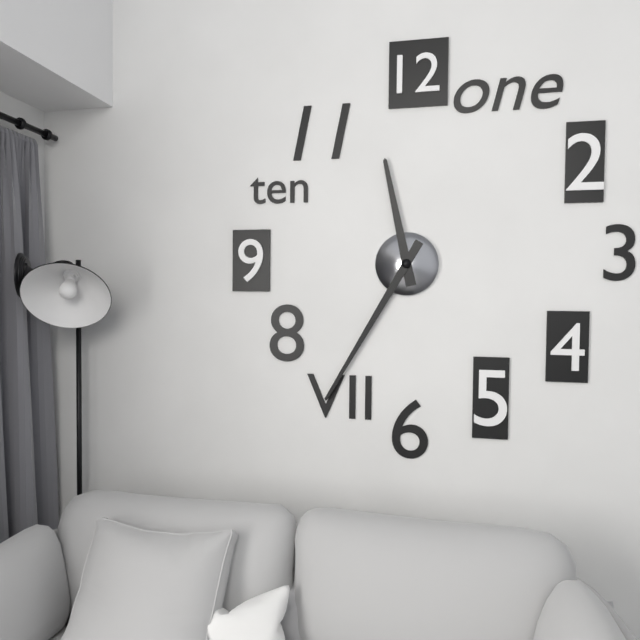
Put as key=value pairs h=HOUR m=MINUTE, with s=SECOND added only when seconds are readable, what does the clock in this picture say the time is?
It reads h=11 m=35
